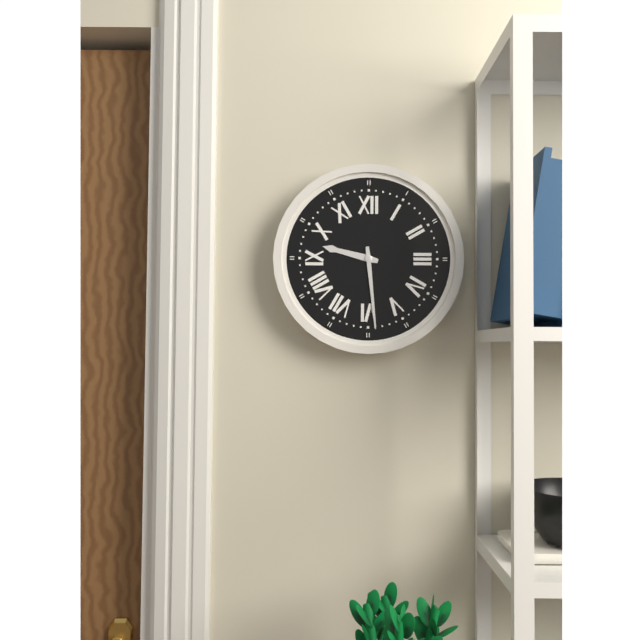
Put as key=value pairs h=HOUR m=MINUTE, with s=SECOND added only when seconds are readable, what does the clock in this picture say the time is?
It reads h=9 m=29
